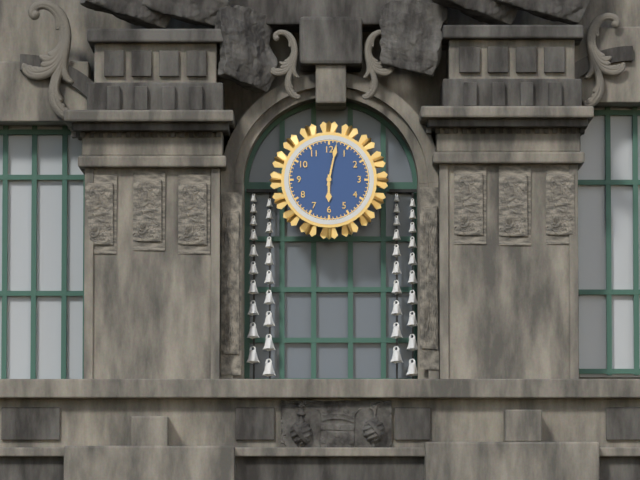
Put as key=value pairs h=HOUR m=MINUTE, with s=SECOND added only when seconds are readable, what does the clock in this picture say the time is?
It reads h=6 m=2
